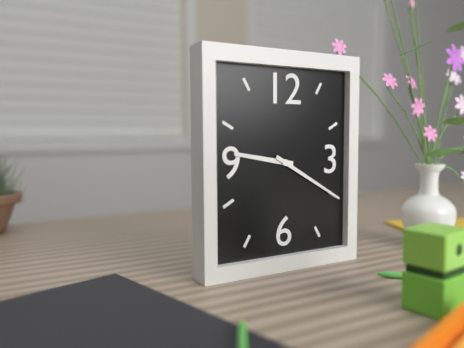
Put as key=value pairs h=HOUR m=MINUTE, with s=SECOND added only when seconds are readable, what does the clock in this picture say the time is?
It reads h=9 m=20
